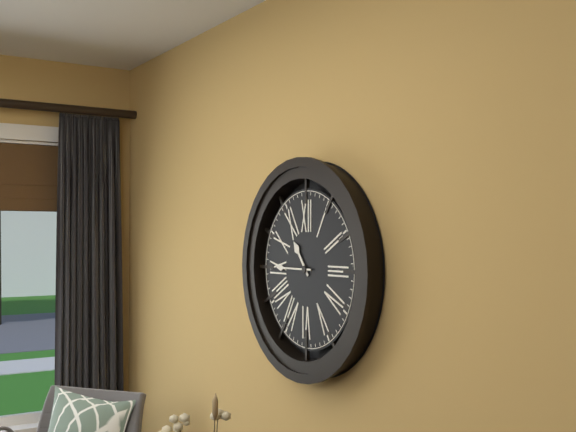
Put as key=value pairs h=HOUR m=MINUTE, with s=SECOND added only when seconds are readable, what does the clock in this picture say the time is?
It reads h=10 m=45
